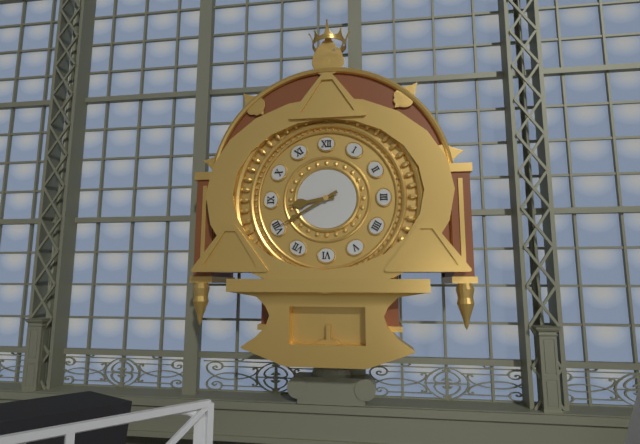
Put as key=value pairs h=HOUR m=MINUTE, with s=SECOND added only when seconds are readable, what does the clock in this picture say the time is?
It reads h=8 m=40
